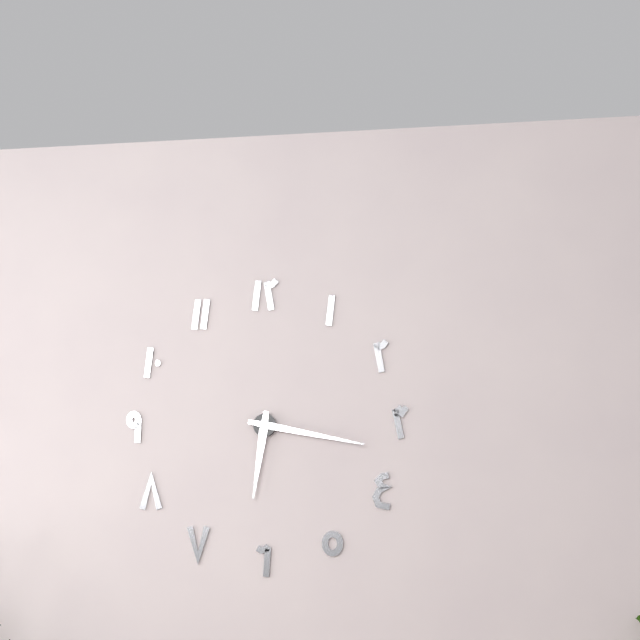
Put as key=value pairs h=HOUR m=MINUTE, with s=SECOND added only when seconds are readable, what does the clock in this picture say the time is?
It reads h=6 m=17
